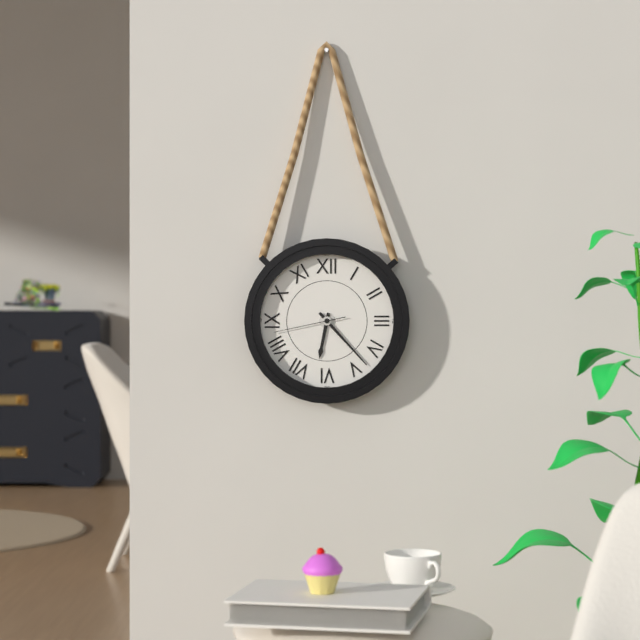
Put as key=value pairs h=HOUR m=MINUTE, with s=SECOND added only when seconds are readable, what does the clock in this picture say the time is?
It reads h=6 m=23 s=43
